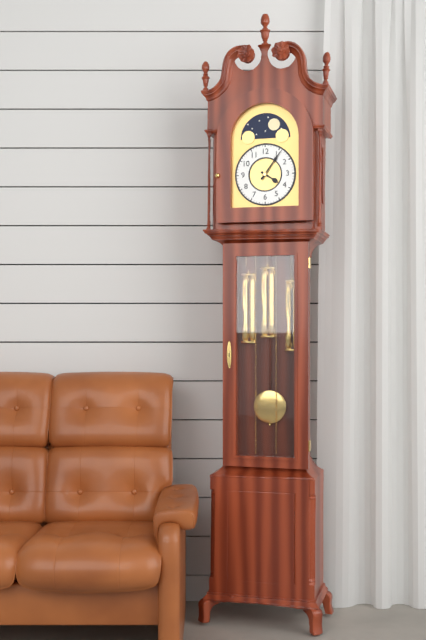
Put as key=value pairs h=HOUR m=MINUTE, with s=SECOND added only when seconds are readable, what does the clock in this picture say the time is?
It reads h=4 m=6
